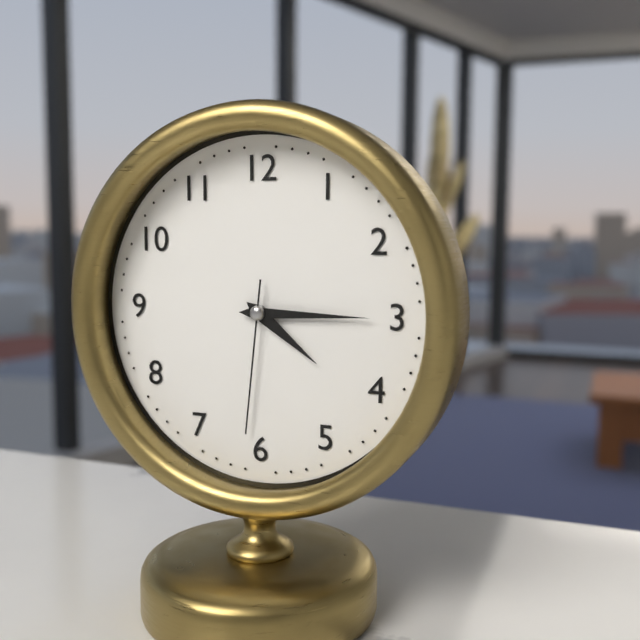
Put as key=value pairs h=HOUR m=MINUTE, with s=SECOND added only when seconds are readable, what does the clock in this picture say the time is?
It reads h=4 m=15 s=31
